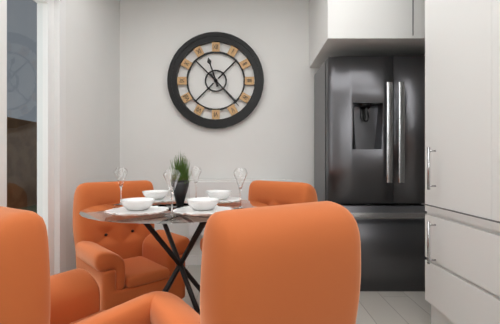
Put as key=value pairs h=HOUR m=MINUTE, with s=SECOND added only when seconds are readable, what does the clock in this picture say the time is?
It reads h=11 m=23
